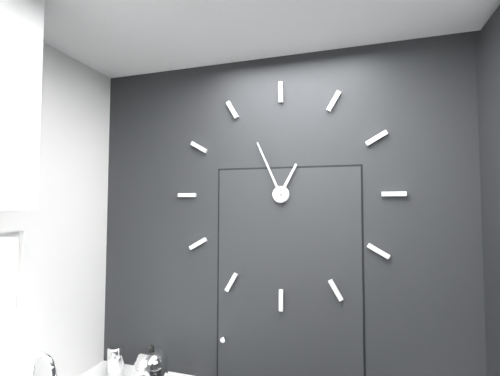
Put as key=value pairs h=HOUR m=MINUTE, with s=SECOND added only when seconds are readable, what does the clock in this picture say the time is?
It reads h=12 m=56
